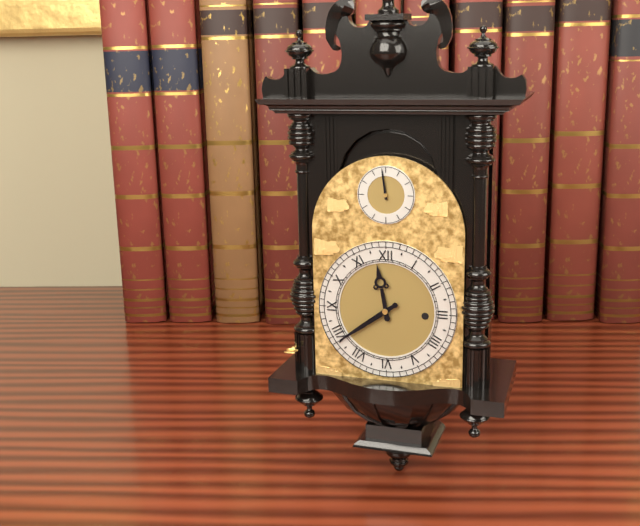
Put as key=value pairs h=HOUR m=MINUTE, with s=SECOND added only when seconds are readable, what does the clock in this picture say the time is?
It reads h=11 m=39
